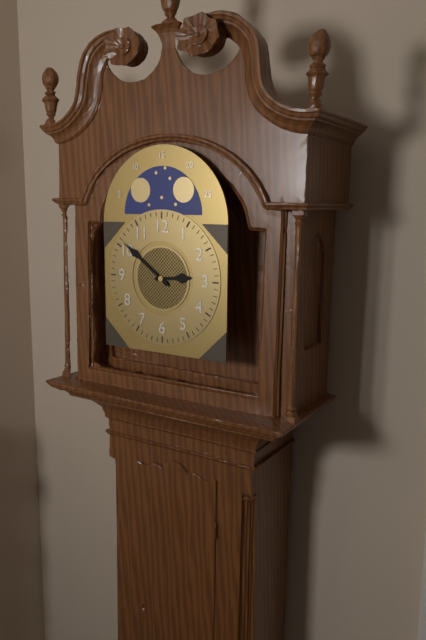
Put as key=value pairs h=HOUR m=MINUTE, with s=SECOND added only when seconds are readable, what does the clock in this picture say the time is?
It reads h=2 m=51
